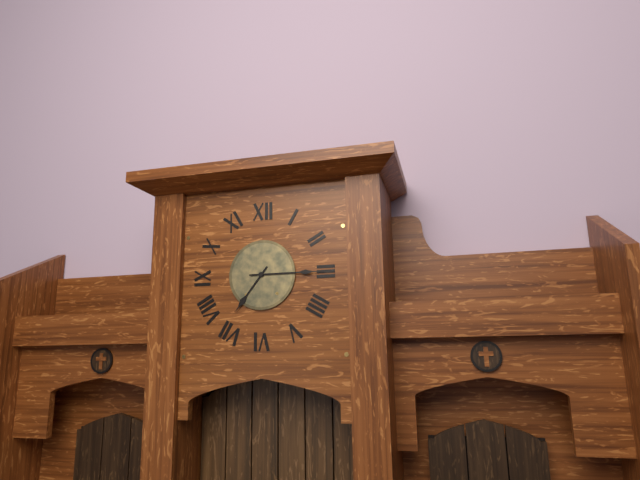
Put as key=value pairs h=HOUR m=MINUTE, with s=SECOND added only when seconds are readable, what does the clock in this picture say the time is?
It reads h=7 m=15
